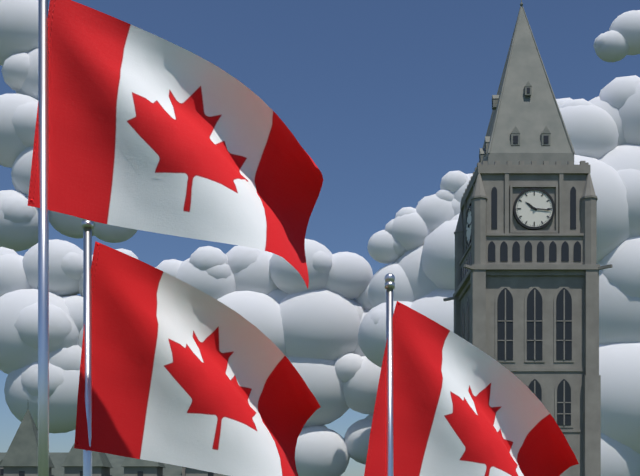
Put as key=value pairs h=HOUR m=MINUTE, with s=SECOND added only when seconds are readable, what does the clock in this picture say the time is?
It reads h=10 m=16
